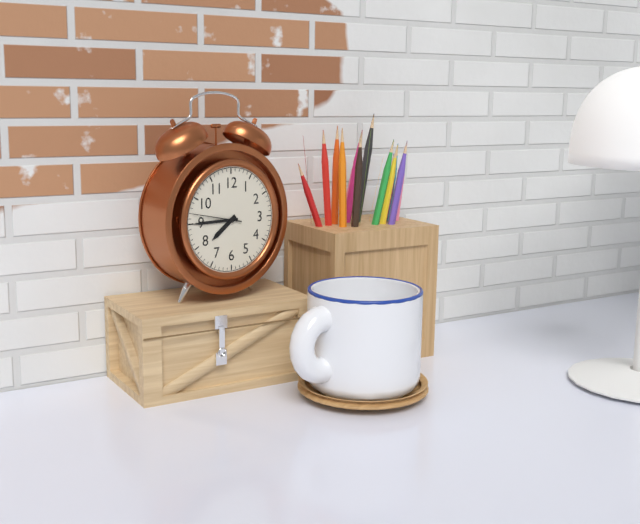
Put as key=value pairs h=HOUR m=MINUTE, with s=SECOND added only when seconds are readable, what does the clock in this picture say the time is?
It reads h=7 m=45 s=47
